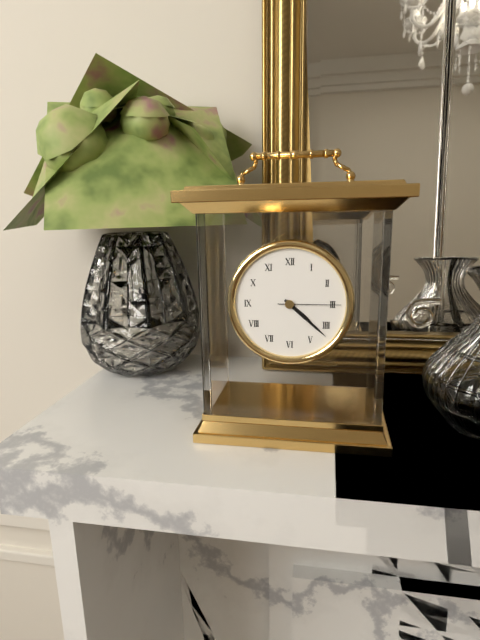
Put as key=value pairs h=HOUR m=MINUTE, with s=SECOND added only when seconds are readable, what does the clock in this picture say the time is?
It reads h=4 m=22 s=15
